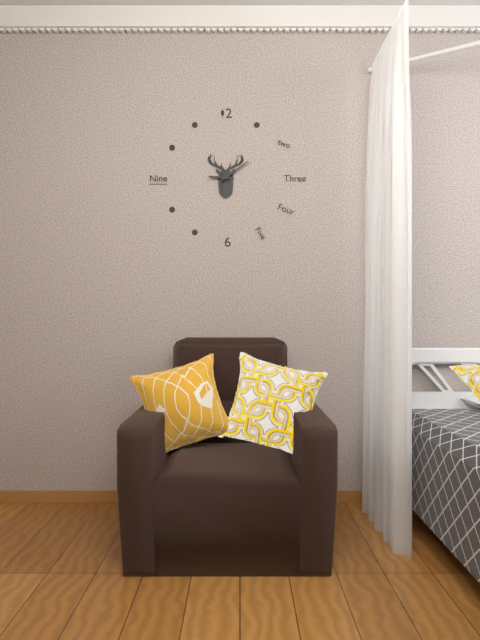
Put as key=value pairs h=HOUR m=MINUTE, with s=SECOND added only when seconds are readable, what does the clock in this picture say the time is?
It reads h=9 m=9
